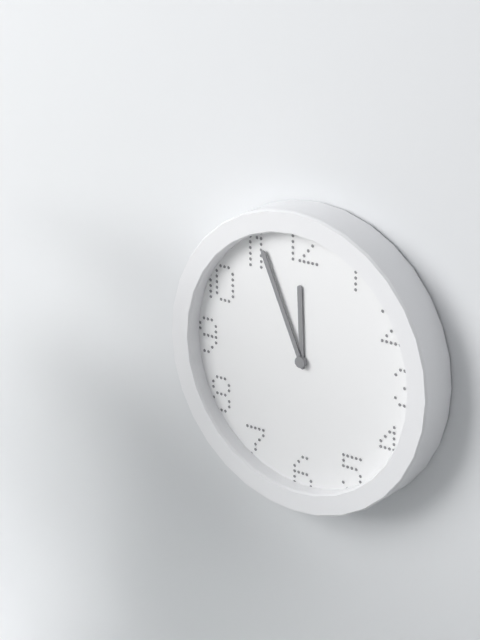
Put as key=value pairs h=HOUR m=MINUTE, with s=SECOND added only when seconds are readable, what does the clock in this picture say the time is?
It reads h=11 m=56
